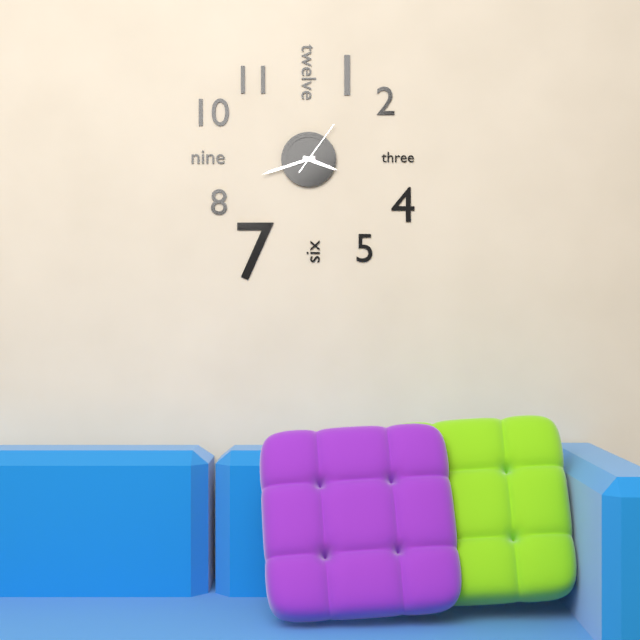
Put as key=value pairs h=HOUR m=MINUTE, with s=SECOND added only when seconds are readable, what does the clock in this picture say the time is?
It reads h=3 m=42 s=6
